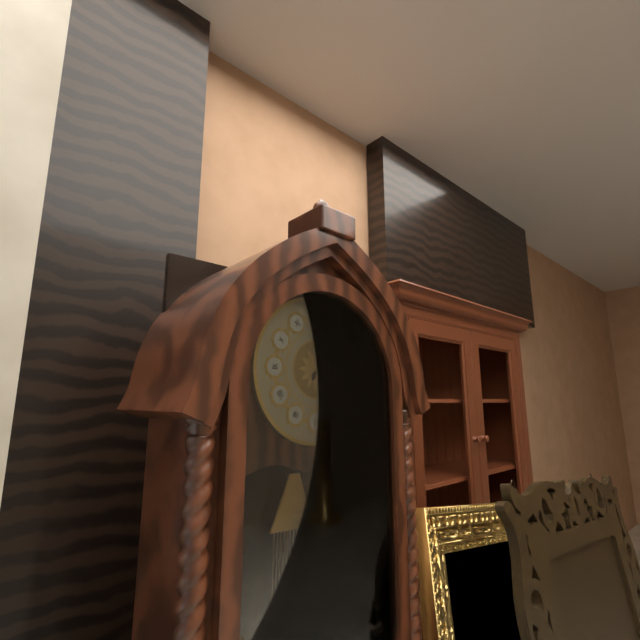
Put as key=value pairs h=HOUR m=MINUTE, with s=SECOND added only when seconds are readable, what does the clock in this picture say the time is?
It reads h=1 m=5
